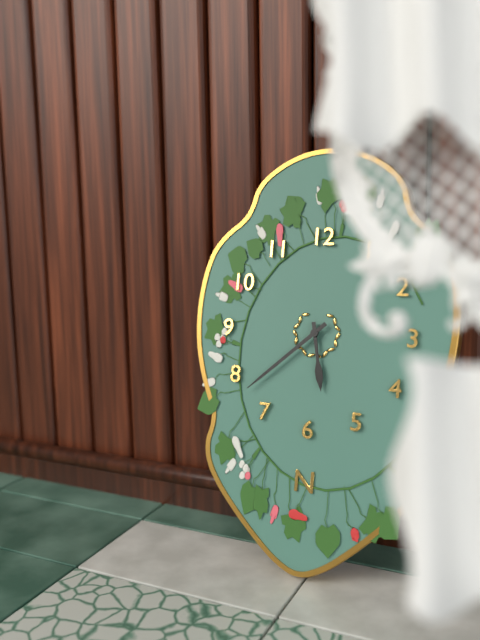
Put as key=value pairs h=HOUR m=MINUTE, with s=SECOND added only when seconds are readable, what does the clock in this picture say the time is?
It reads h=5 m=38
